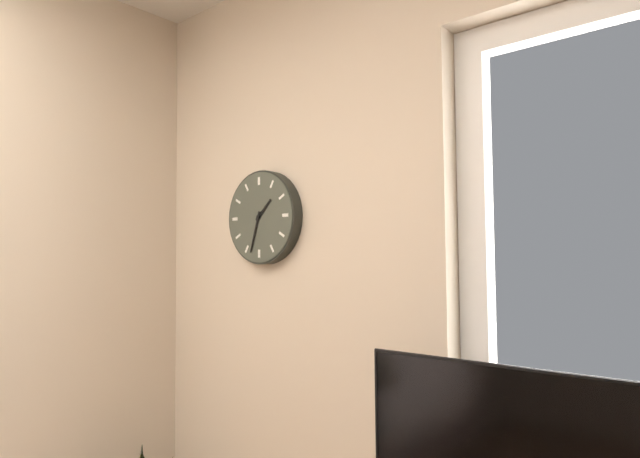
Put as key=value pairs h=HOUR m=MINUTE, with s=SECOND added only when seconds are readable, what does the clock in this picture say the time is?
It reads h=1 m=33
